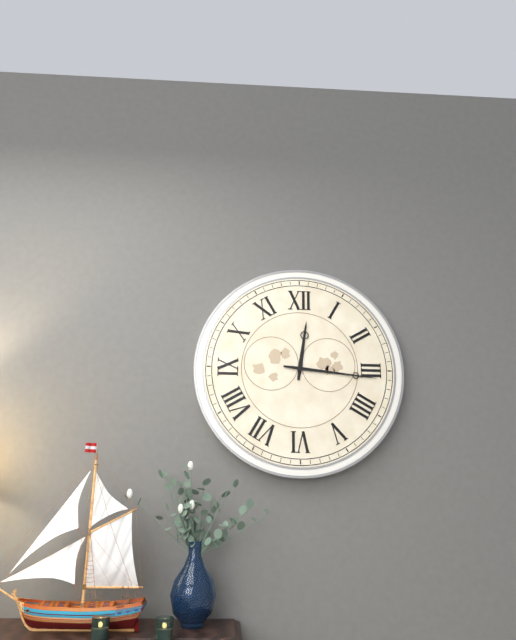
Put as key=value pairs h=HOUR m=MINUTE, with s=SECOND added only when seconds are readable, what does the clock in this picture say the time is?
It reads h=12 m=16
